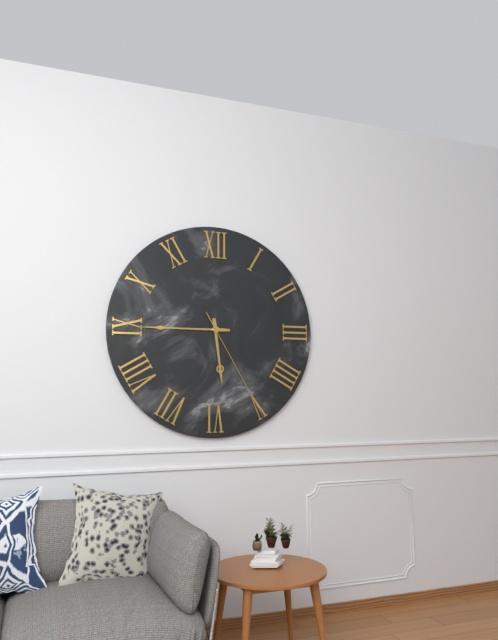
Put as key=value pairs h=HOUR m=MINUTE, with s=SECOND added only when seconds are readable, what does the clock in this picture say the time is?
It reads h=5 m=45 s=25
